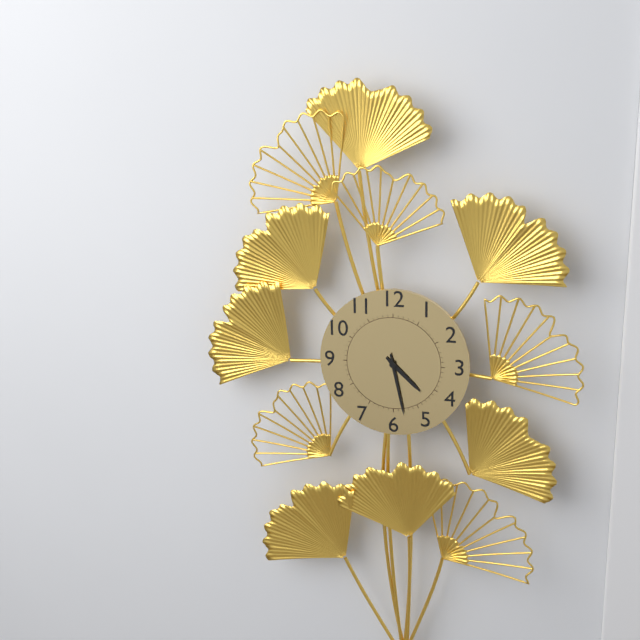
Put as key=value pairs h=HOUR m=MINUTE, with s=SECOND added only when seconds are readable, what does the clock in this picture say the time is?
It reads h=4 m=28
